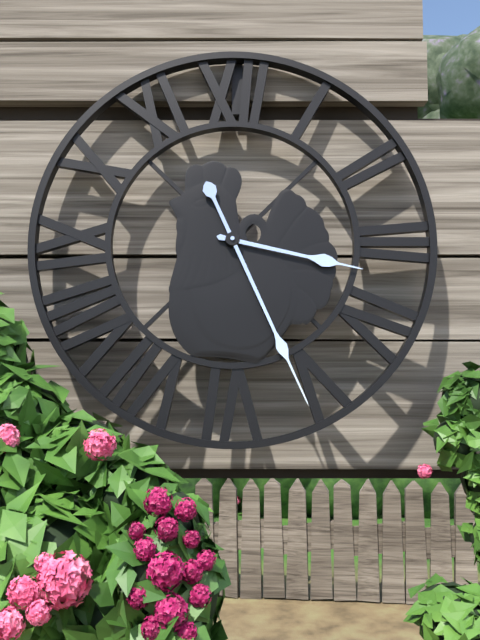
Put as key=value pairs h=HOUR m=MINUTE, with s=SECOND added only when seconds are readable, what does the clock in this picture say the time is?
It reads h=3 m=26
